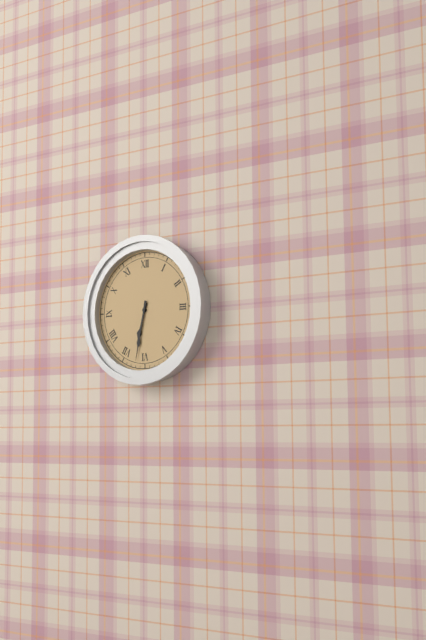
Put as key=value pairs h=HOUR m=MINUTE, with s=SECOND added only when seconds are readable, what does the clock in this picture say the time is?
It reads h=6 m=32
